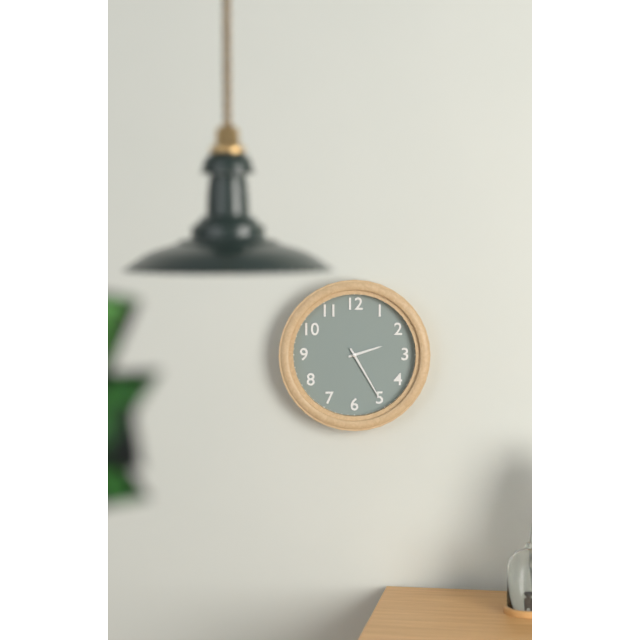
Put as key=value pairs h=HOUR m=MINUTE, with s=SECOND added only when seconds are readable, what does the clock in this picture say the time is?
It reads h=2 m=25
